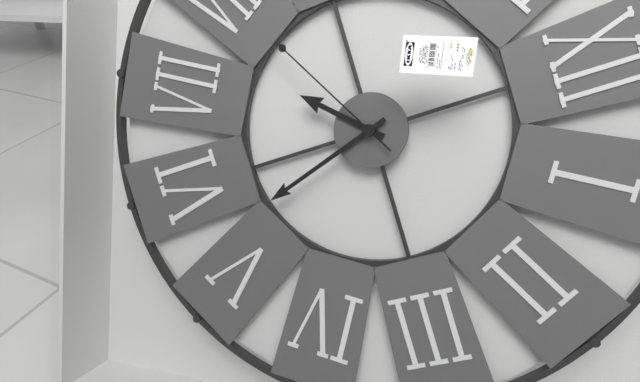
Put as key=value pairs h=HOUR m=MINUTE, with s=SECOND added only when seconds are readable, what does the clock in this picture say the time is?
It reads h=7 m=27 s=40
